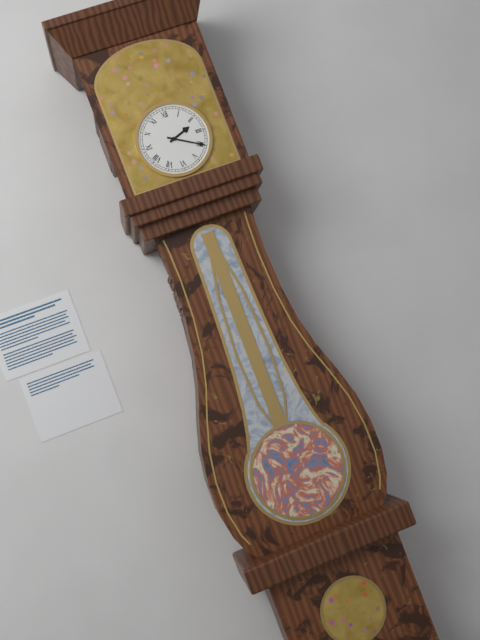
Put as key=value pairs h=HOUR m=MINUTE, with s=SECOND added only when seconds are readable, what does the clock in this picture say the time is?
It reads h=2 m=20
